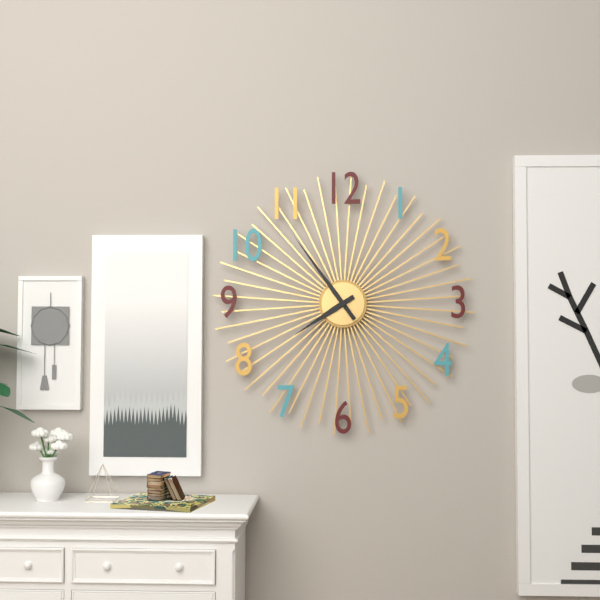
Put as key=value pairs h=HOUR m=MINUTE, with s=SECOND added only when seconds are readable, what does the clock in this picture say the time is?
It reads h=7 m=54
